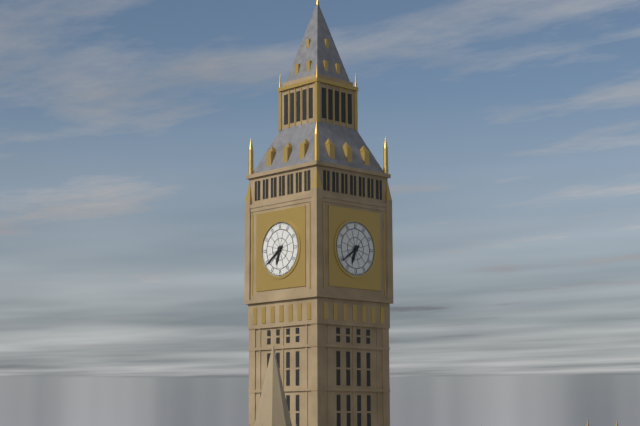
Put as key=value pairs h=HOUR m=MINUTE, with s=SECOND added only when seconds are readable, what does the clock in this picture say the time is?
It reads h=6 m=39
